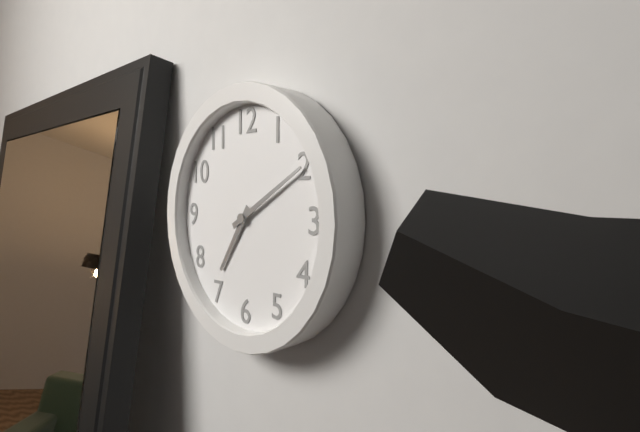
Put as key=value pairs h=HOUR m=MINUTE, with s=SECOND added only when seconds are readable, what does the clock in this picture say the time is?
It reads h=7 m=10
